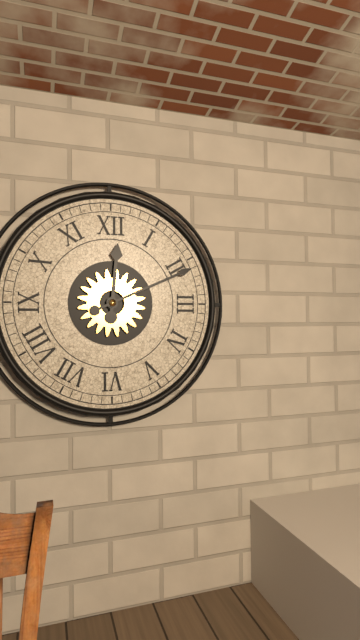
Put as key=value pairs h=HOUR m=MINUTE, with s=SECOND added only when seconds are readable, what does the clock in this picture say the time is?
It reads h=12 m=11
